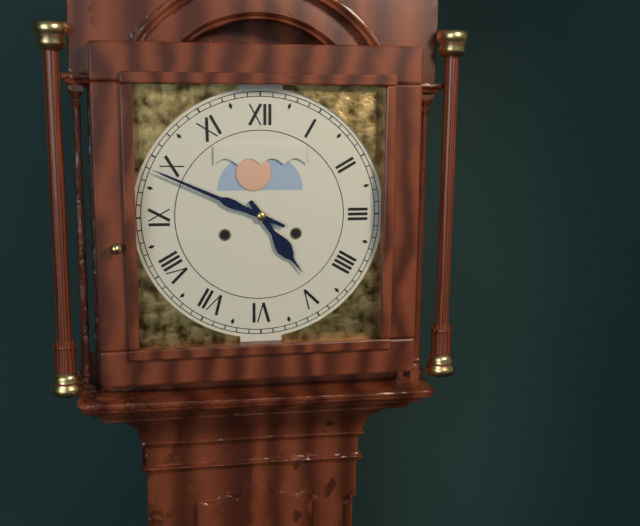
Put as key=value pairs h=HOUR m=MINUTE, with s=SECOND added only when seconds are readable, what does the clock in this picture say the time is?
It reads h=4 m=49
